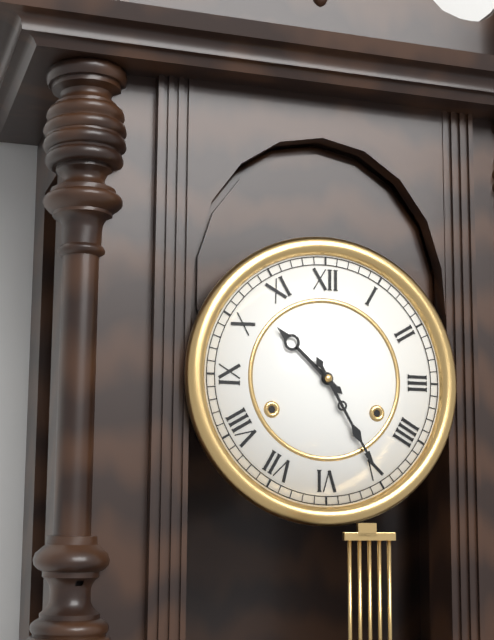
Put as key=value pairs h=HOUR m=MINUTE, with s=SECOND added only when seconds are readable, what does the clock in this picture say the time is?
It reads h=10 m=25
